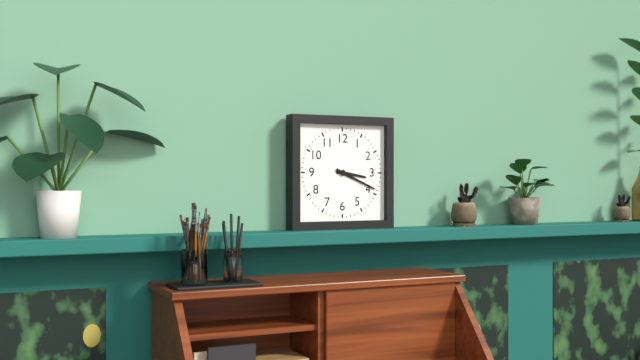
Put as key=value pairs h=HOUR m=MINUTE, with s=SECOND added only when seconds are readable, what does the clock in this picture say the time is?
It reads h=3 m=19
